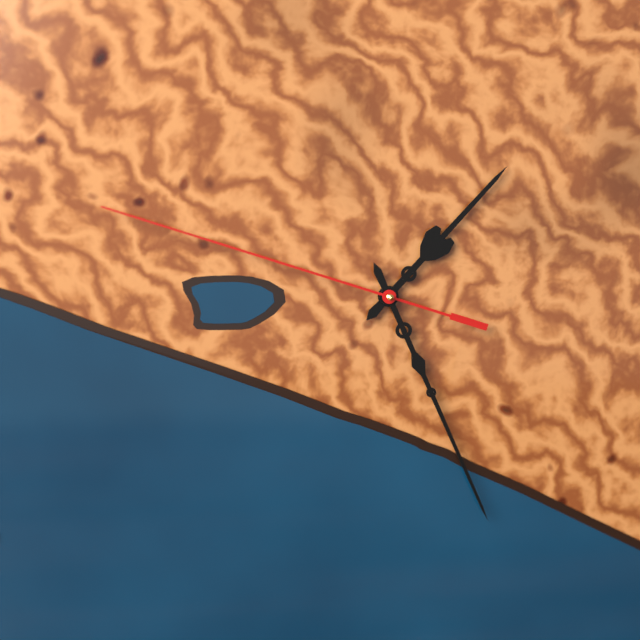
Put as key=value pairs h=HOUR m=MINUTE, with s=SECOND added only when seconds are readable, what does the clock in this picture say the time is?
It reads h=1 m=26 s=48
